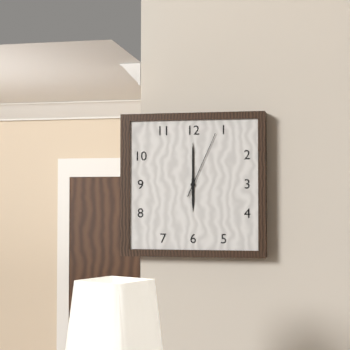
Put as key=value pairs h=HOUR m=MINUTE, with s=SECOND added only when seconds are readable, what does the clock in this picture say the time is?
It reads h=6 m=0 s=4
